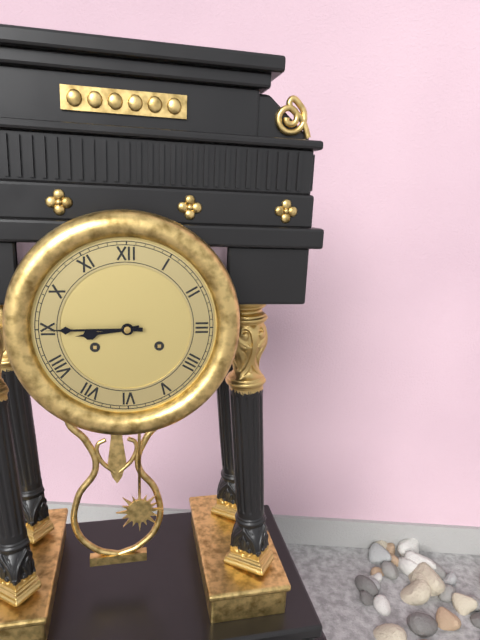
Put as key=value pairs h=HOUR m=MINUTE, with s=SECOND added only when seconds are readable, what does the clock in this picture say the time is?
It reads h=8 m=45
